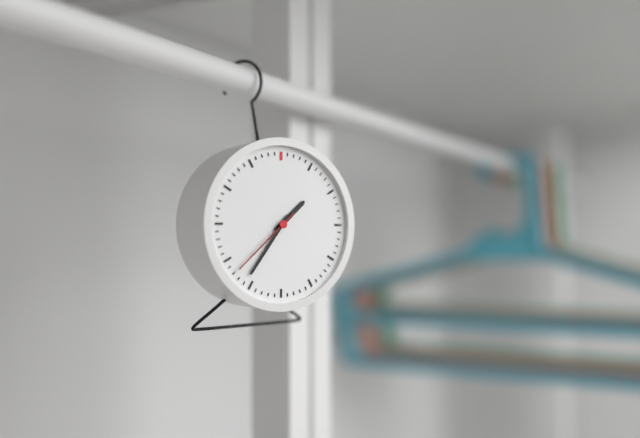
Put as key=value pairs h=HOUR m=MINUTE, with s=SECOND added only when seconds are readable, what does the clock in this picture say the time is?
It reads h=1 m=36 s=38
